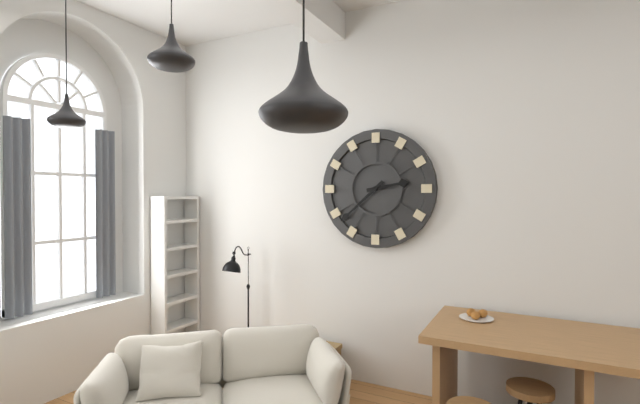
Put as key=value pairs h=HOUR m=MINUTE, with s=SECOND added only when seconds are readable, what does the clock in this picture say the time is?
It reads h=2 m=38
